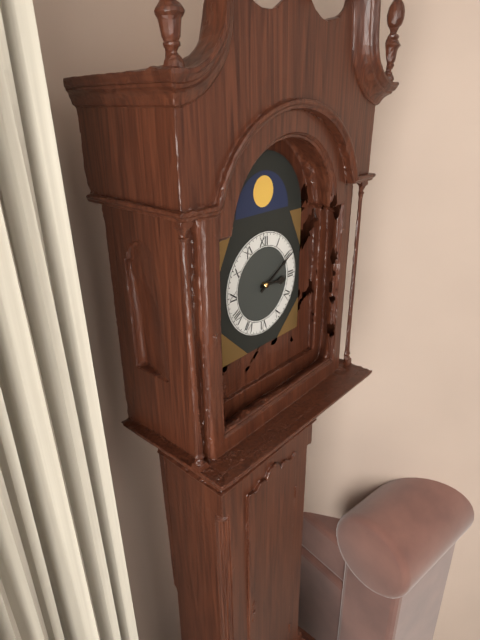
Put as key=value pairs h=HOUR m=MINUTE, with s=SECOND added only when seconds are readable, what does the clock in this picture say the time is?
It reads h=3 m=10
